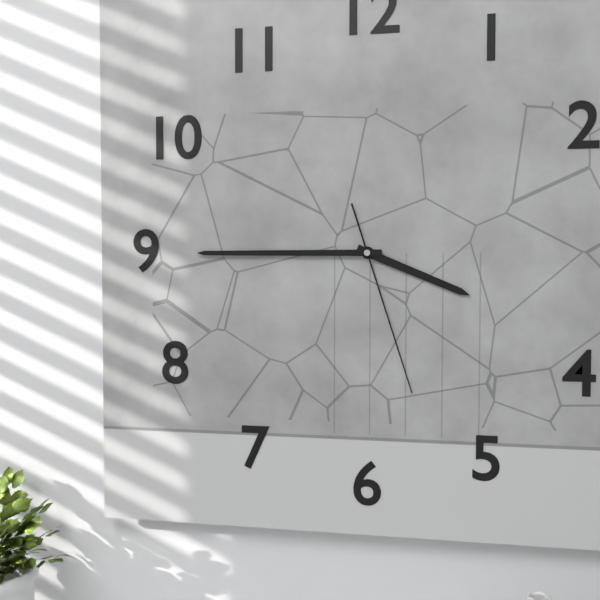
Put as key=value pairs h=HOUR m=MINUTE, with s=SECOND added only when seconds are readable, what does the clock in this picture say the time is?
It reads h=3 m=45 s=27
